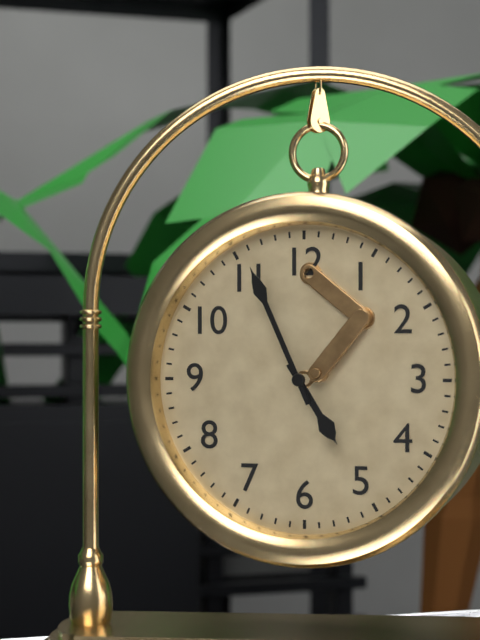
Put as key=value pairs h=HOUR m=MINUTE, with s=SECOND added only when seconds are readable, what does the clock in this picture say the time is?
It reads h=4 m=56
